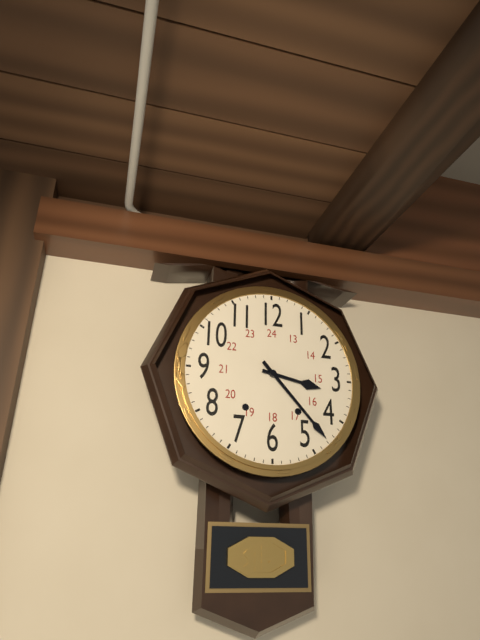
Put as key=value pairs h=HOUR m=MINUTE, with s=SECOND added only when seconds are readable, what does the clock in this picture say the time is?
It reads h=3 m=23
